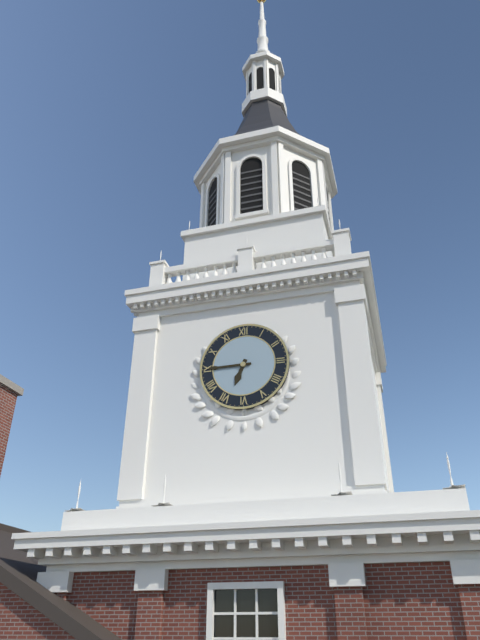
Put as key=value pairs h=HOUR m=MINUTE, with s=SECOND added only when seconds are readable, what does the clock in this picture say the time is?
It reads h=6 m=45
